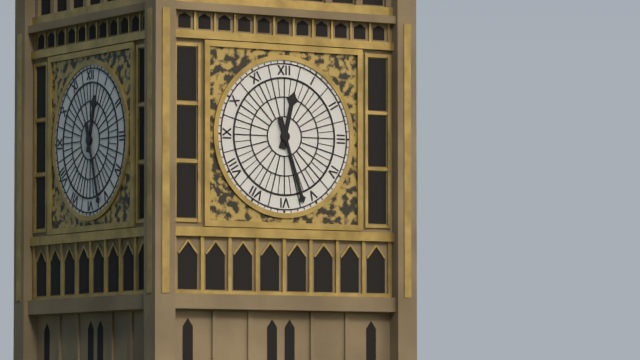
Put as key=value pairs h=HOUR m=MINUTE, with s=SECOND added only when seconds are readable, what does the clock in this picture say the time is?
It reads h=12 m=27
